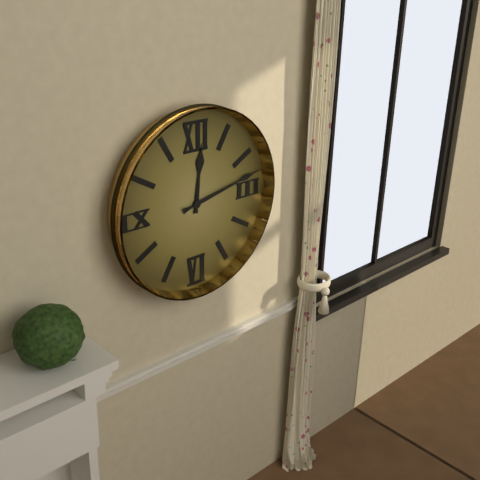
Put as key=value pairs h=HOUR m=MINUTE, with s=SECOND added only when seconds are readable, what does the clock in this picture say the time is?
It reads h=12 m=13
